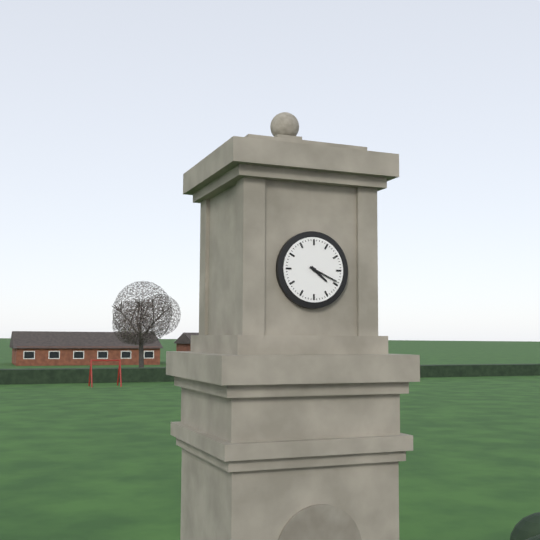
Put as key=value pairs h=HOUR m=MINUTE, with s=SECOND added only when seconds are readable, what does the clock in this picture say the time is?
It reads h=4 m=19
